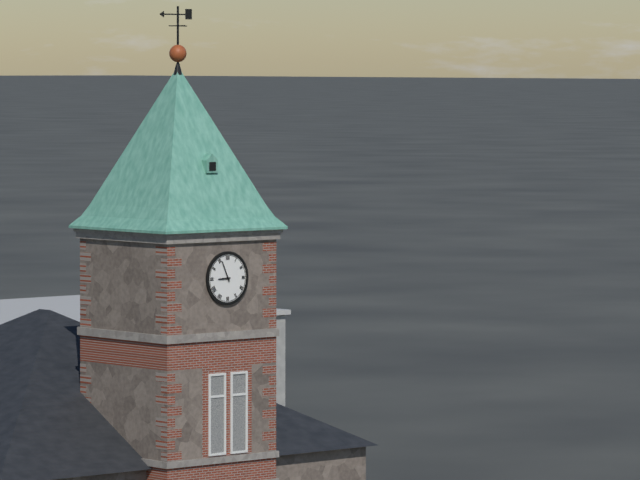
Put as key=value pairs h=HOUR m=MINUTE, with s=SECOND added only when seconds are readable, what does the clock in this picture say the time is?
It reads h=8 m=56
